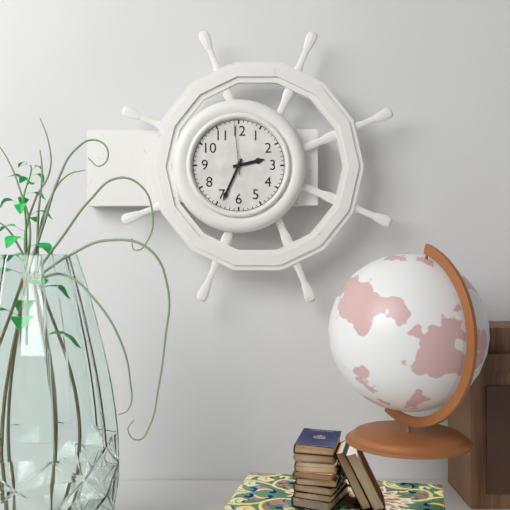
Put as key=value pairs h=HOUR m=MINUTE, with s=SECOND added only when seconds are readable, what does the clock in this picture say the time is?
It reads h=2 m=34 s=59
